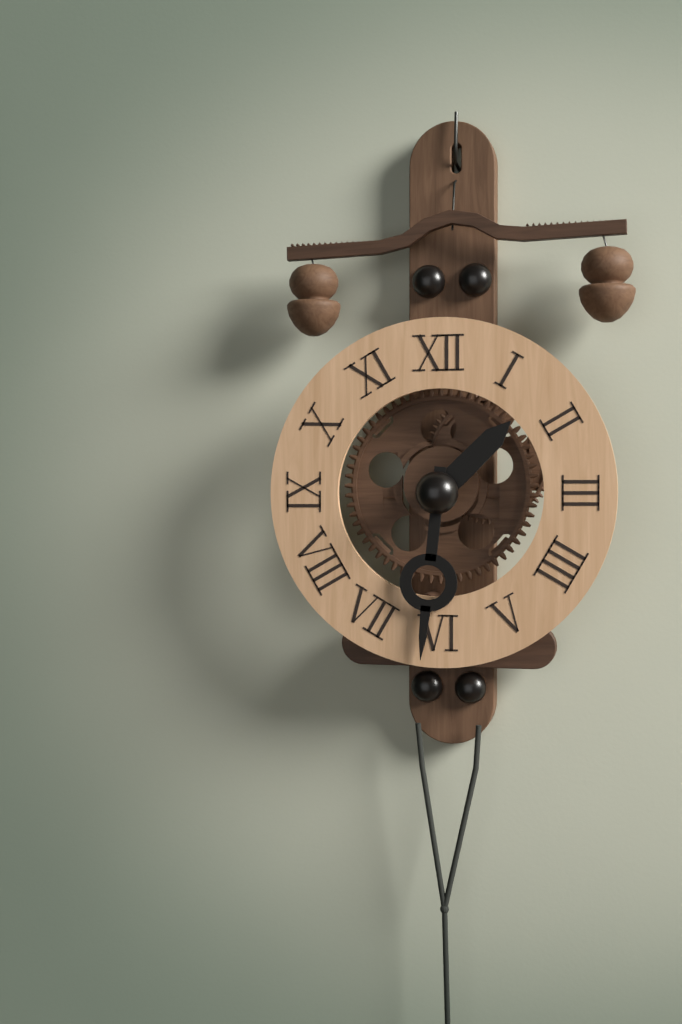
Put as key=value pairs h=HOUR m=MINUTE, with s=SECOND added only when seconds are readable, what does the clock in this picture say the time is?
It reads h=1 m=31
